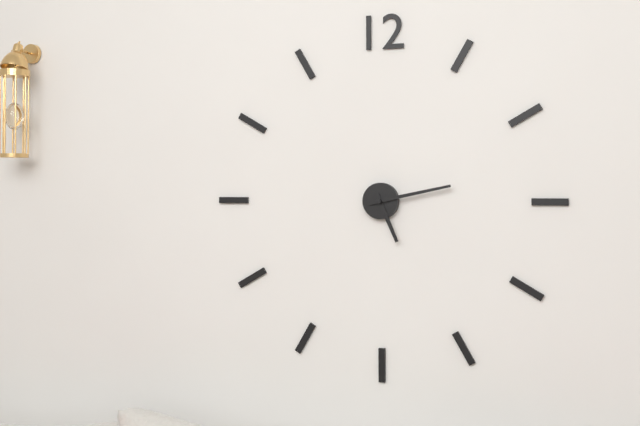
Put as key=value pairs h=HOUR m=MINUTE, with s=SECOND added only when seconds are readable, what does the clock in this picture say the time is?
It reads h=5 m=13
